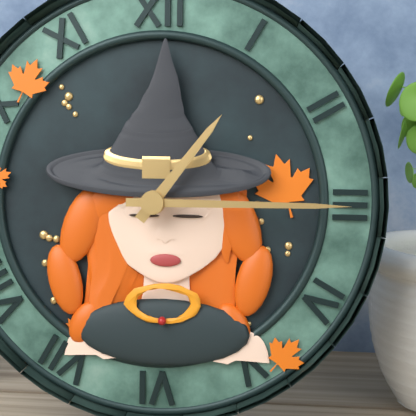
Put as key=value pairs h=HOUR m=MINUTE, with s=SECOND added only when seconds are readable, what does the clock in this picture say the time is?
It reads h=1 m=15
